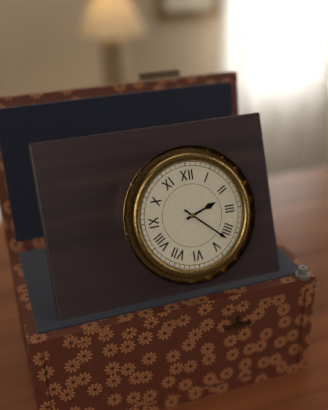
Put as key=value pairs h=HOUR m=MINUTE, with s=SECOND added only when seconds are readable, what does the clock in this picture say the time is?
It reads h=2 m=22
